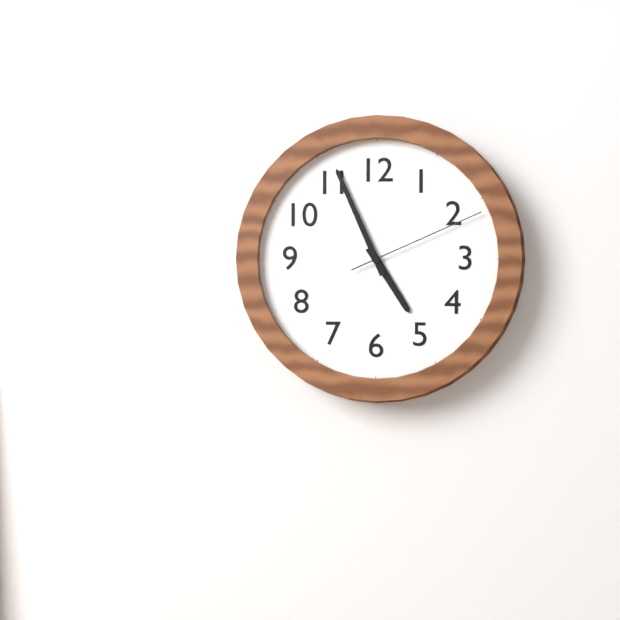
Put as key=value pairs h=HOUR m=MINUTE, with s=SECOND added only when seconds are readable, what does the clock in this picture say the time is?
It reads h=4 m=56 s=11
